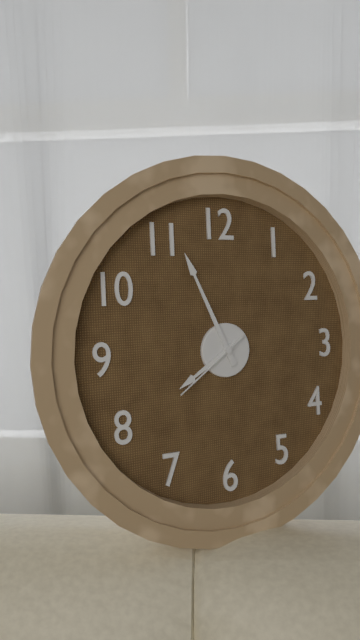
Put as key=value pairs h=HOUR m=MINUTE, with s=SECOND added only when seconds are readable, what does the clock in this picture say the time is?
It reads h=7 m=56 s=39
